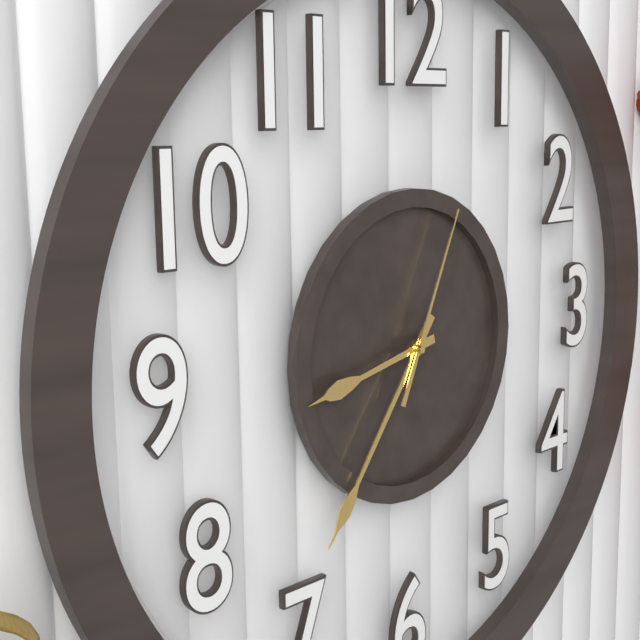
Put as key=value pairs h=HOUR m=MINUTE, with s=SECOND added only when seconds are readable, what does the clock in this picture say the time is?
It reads h=8 m=36 s=4
